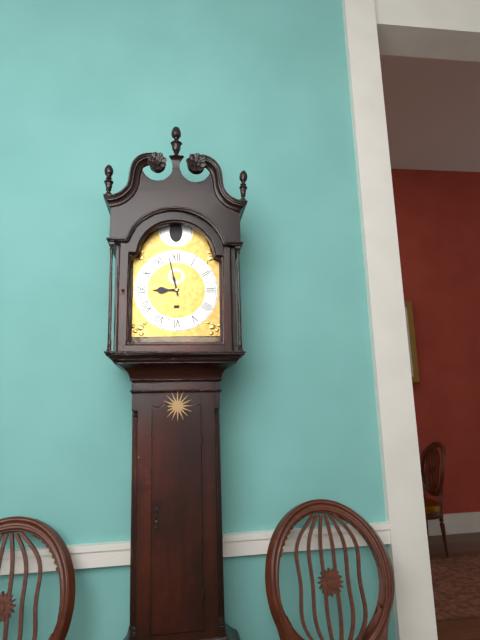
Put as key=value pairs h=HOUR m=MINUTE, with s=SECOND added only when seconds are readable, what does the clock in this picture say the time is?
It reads h=8 m=58
